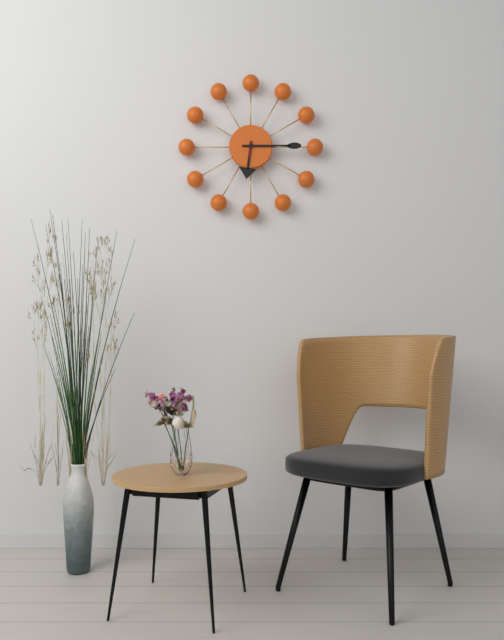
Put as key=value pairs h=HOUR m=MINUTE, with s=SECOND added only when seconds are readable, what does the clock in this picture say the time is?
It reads h=6 m=15
